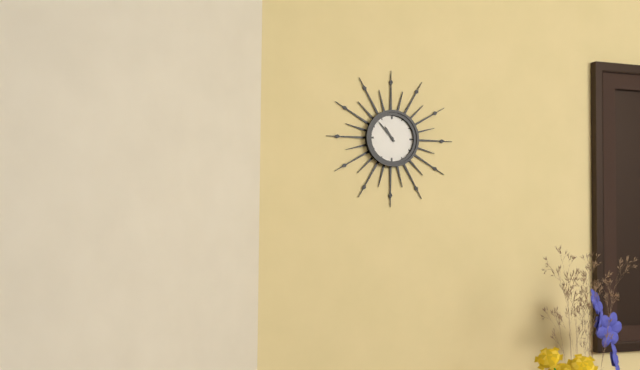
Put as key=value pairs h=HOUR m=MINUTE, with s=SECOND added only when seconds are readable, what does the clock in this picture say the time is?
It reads h=10 m=53
